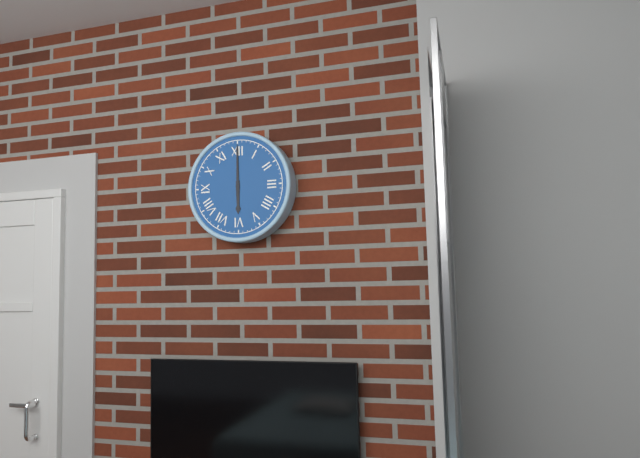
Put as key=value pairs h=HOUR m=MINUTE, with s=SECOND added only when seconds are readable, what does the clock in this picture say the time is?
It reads h=6 m=0
